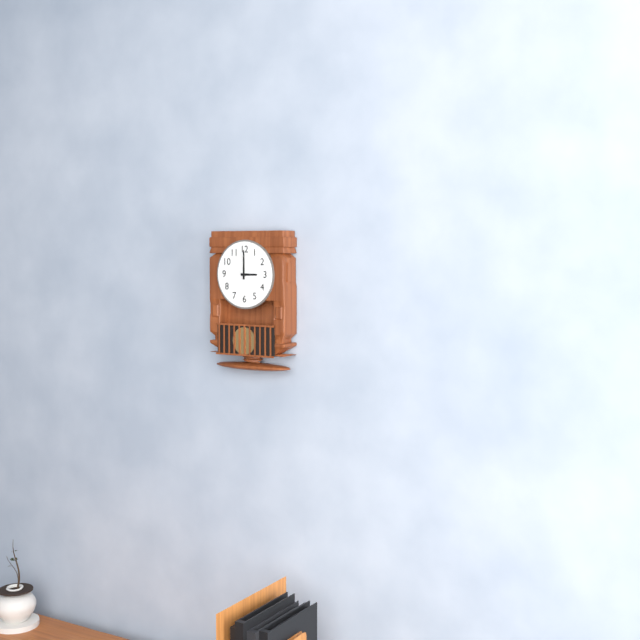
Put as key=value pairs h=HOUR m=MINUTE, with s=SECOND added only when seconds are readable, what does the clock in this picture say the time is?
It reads h=3 m=0
